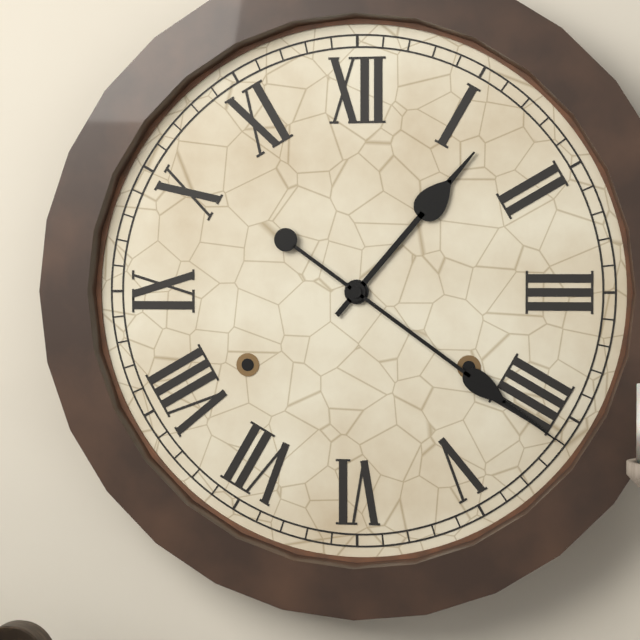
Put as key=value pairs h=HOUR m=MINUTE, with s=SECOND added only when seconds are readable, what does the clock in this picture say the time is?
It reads h=1 m=21
